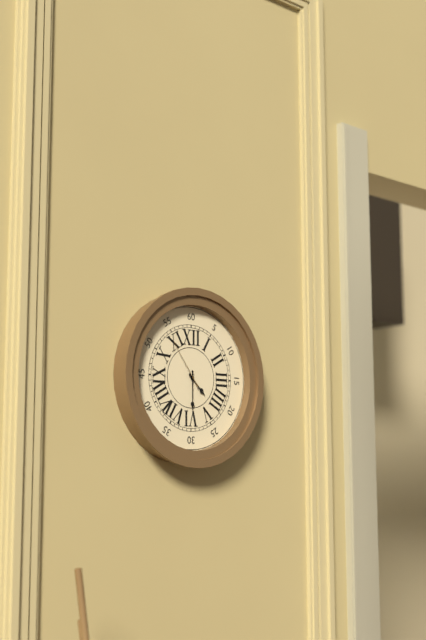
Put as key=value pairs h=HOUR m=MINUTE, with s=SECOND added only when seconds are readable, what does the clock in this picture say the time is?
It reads h=4 m=30 s=54
